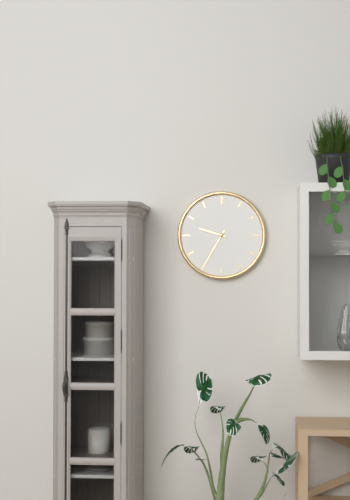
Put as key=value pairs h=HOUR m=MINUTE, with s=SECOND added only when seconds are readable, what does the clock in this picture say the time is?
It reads h=9 m=35
